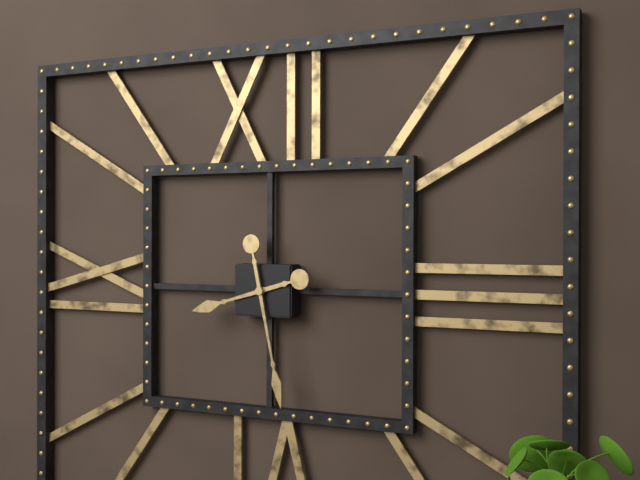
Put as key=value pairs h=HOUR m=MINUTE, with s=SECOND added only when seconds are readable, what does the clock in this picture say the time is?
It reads h=8 m=28
